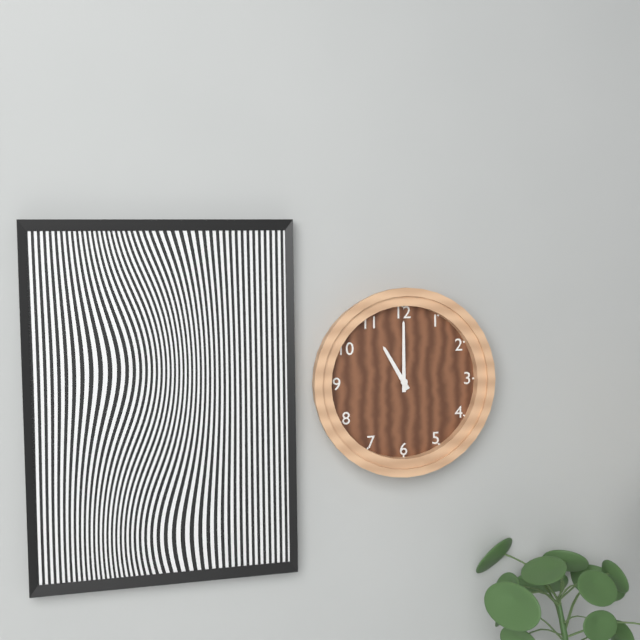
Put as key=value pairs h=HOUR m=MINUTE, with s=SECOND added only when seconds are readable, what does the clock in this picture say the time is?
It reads h=11 m=0
